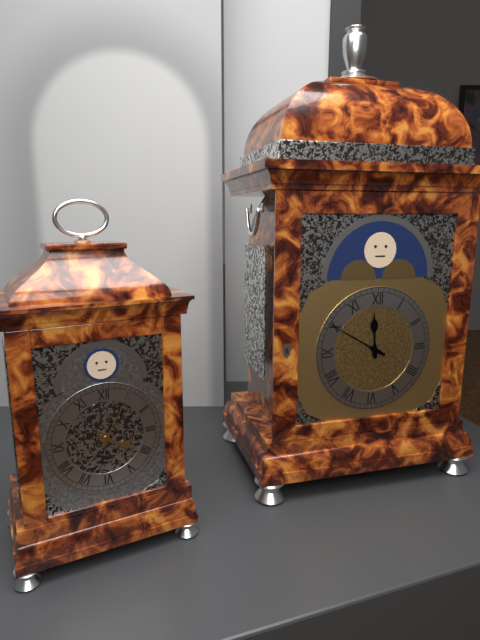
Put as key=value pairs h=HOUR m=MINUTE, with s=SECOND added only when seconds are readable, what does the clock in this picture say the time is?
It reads h=11 m=50
